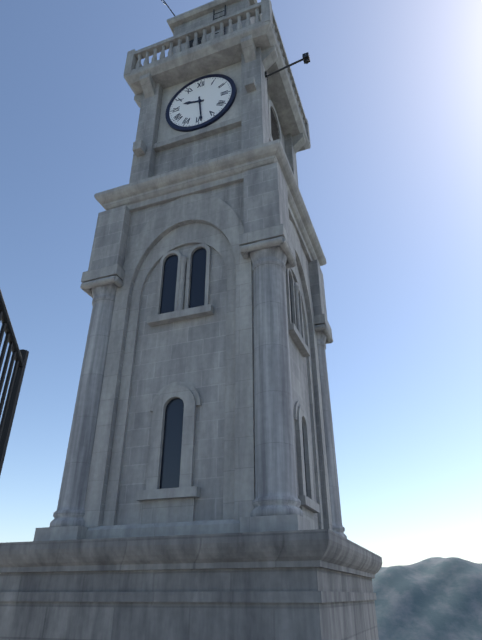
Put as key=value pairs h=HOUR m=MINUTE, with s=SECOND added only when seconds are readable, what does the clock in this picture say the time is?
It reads h=9 m=29
